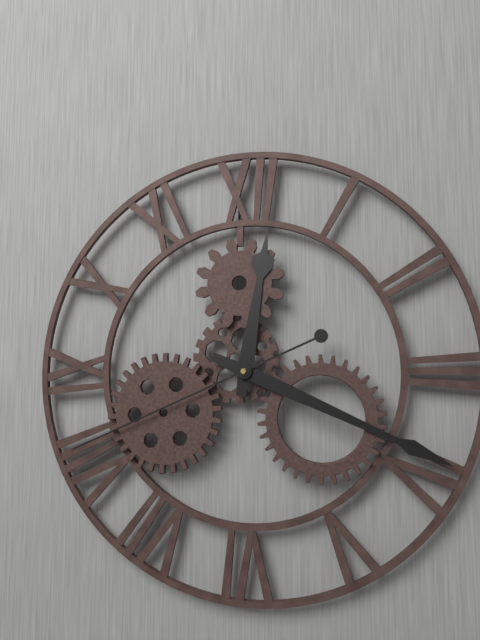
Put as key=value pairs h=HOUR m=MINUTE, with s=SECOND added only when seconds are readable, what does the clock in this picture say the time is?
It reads h=12 m=19 s=41
